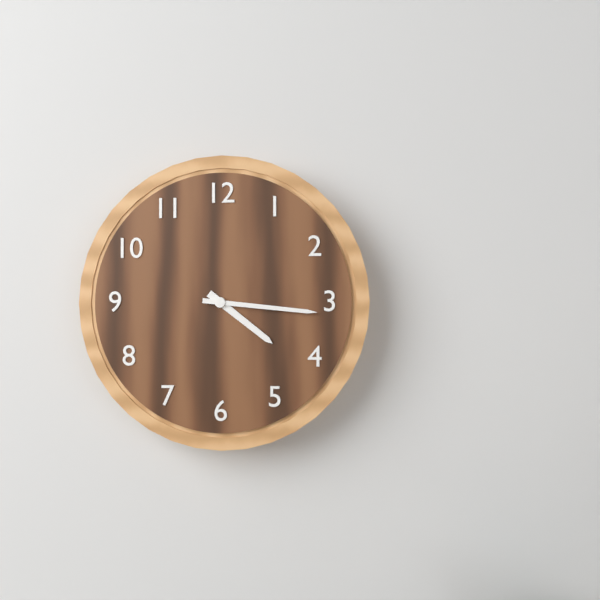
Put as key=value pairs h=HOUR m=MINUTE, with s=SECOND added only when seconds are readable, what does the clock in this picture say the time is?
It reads h=4 m=16
